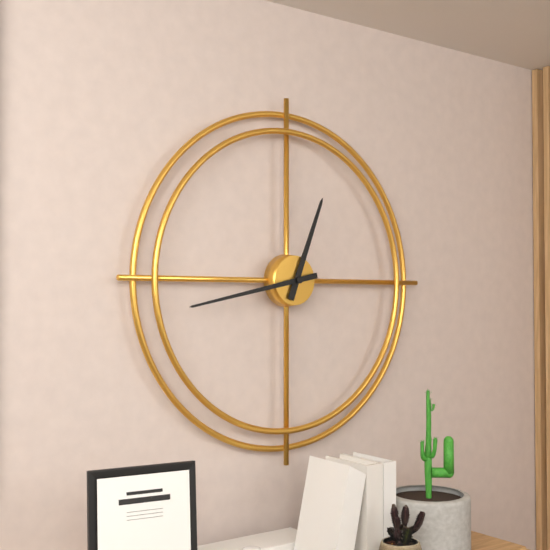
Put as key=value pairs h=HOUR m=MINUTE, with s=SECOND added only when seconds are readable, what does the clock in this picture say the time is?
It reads h=12 m=43
